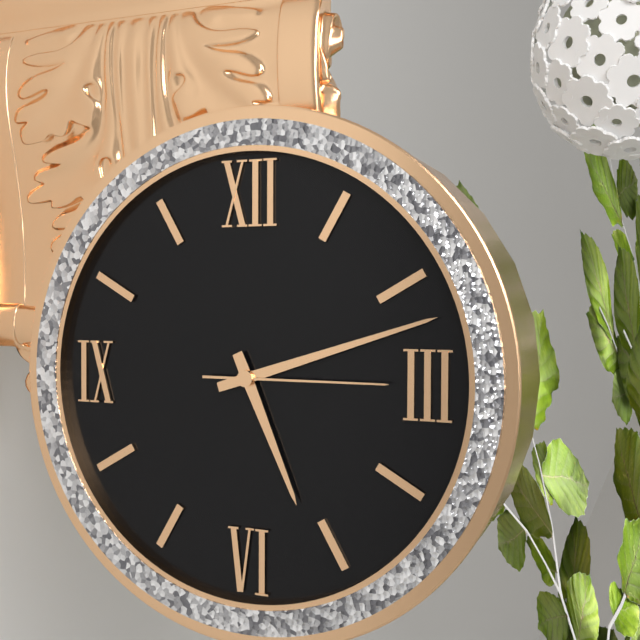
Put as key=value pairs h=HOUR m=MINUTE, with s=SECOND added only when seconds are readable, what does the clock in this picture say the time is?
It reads h=5 m=12 s=15
